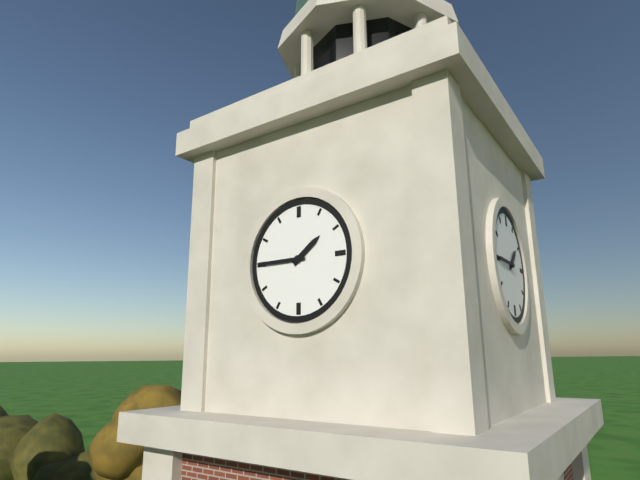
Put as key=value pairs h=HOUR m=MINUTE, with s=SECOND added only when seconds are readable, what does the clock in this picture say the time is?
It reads h=1 m=45
